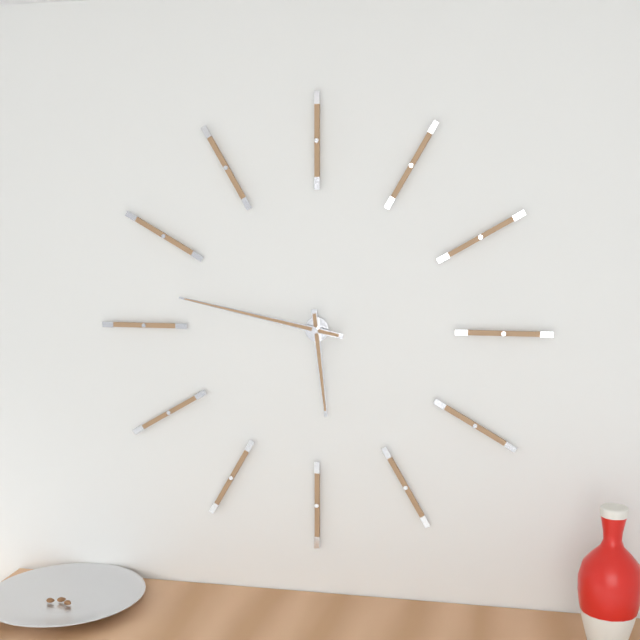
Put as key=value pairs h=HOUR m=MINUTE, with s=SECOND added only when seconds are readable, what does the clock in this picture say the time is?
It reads h=5 m=47
